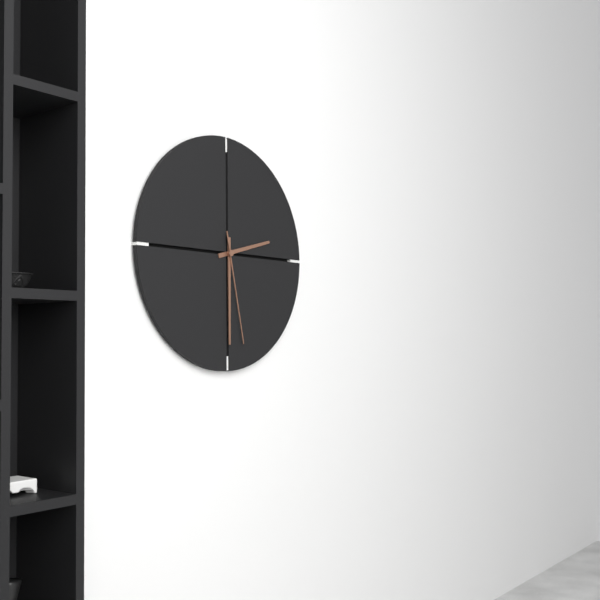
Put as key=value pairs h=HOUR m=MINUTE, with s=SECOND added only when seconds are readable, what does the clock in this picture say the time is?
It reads h=2 m=30 s=28
